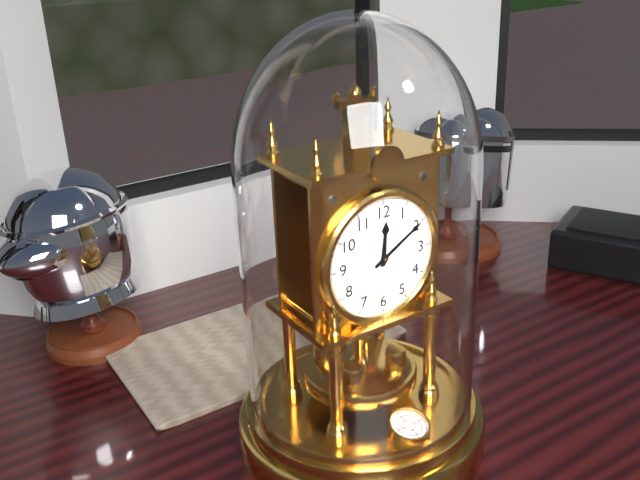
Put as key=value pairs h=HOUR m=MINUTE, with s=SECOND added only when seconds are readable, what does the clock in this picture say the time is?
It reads h=12 m=10
